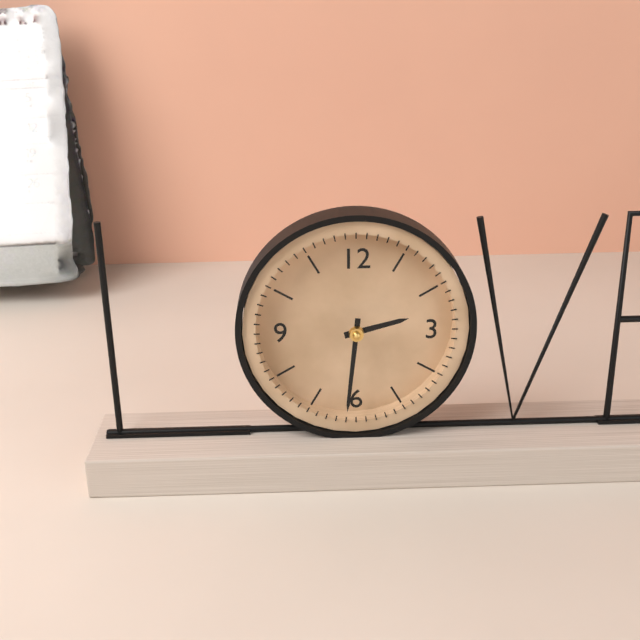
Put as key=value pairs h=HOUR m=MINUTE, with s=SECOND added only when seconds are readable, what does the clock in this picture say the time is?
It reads h=2 m=31
